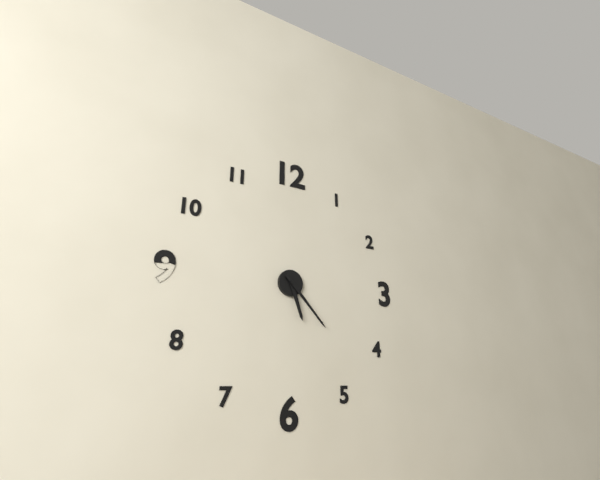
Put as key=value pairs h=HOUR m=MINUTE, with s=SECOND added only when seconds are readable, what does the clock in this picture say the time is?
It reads h=5 m=23
